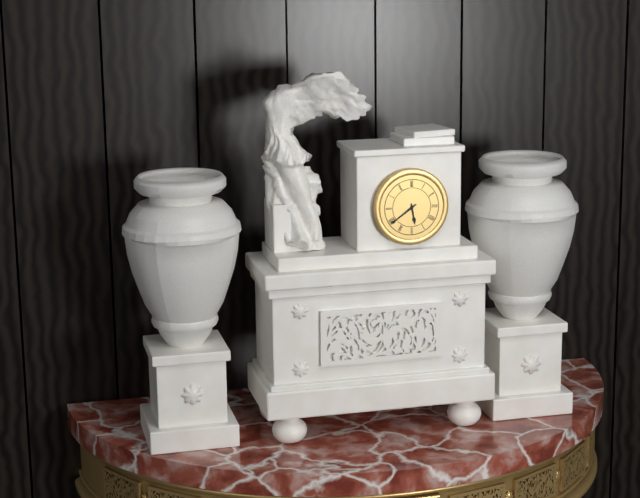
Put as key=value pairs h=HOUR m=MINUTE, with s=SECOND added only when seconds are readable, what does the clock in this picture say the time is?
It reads h=5 m=39
